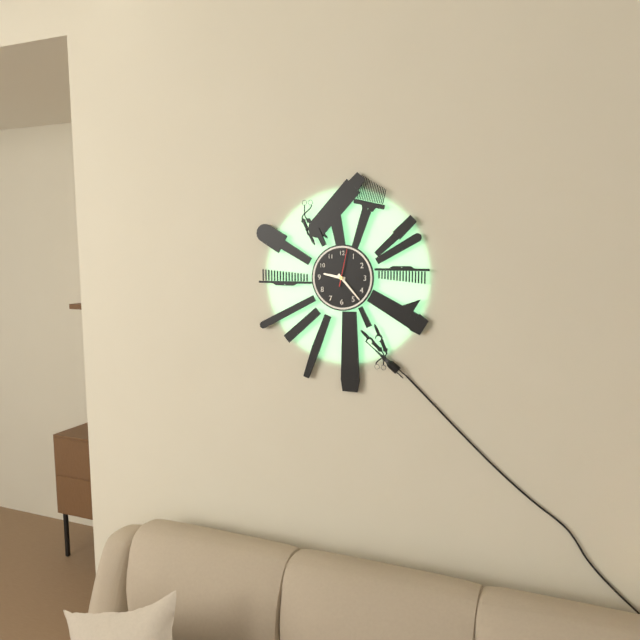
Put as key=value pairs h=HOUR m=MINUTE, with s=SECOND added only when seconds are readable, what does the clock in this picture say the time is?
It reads h=9 m=23
